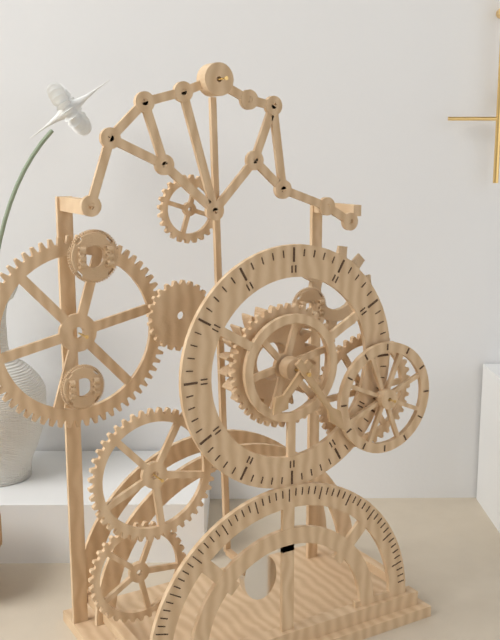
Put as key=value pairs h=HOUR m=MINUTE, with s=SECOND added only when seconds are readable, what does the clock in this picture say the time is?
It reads h=7 m=24
